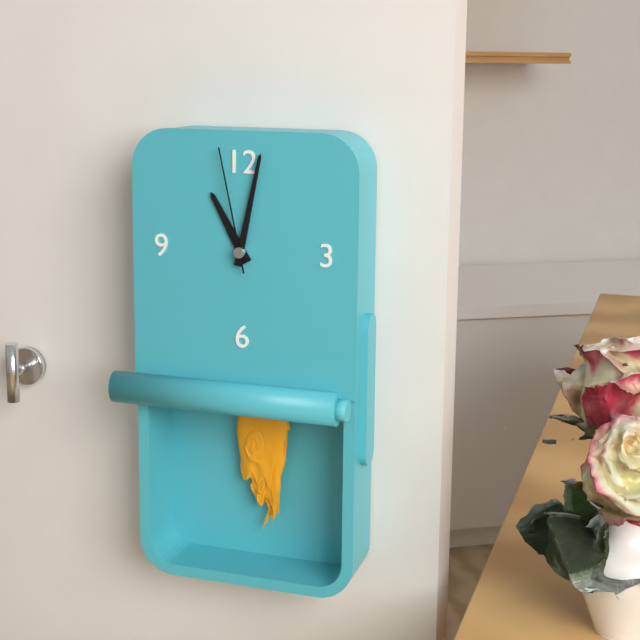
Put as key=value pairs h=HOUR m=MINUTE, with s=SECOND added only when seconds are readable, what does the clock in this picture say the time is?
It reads h=11 m=2 s=58
